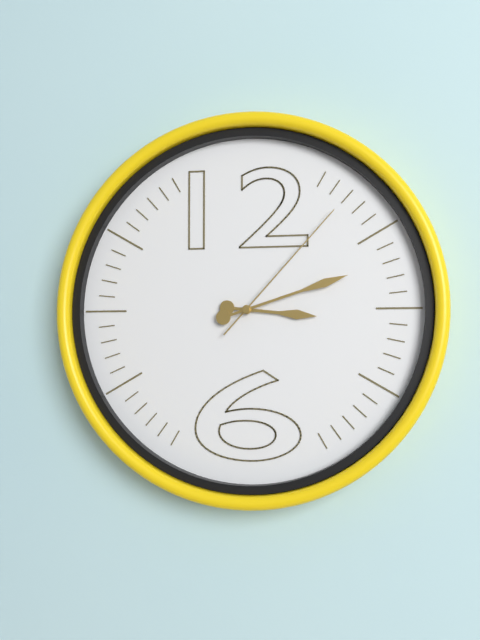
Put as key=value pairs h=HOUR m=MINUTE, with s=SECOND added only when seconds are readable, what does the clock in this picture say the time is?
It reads h=3 m=12 s=7
